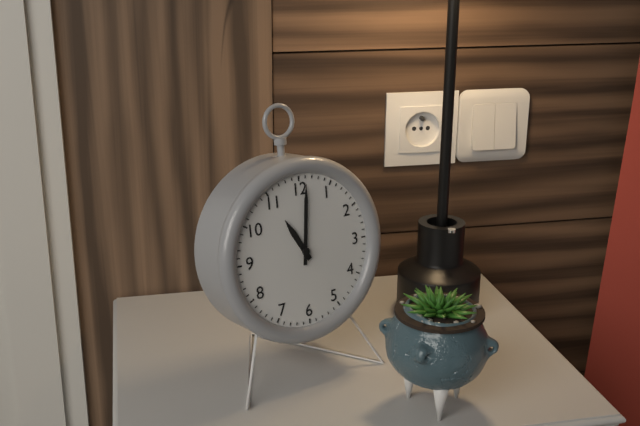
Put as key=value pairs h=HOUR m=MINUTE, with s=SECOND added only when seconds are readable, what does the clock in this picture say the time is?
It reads h=11 m=1
